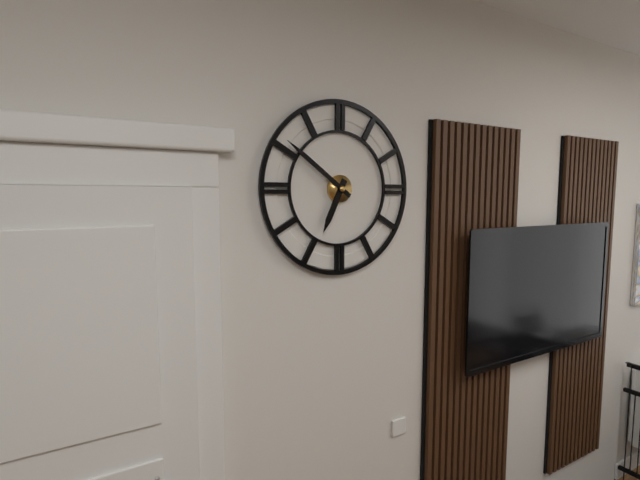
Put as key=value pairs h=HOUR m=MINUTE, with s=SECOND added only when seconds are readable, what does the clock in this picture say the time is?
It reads h=6 m=51
